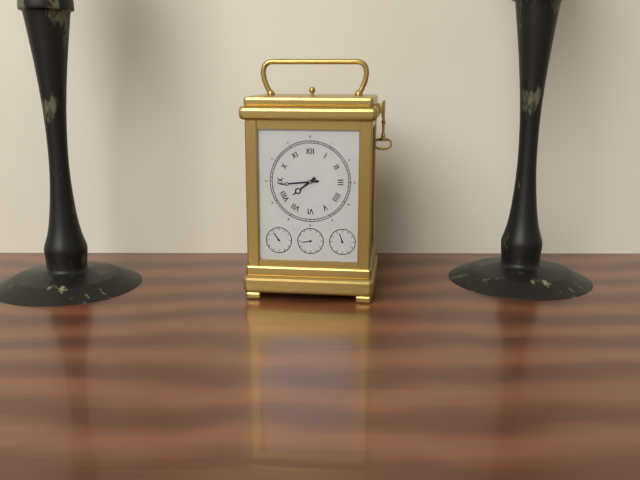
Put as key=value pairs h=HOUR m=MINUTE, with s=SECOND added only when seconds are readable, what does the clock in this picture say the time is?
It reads h=7 m=44
